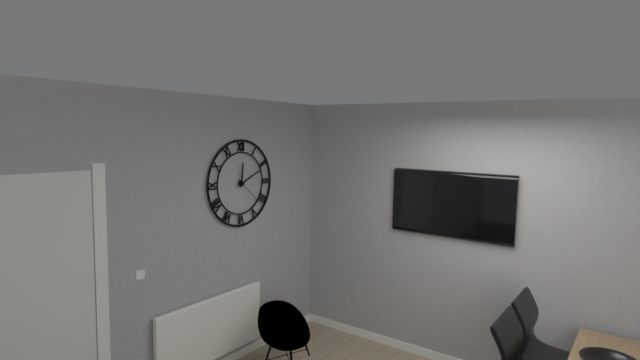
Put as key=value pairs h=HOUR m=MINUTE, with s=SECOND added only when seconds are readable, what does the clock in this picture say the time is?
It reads h=12 m=11
